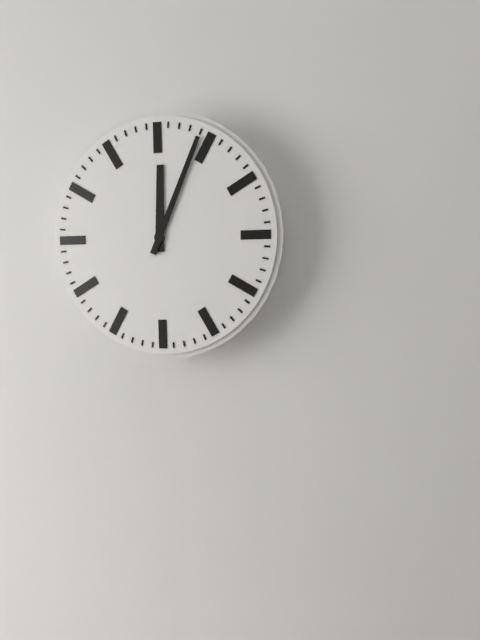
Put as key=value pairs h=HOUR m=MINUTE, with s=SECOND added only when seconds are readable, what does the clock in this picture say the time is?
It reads h=12 m=4
